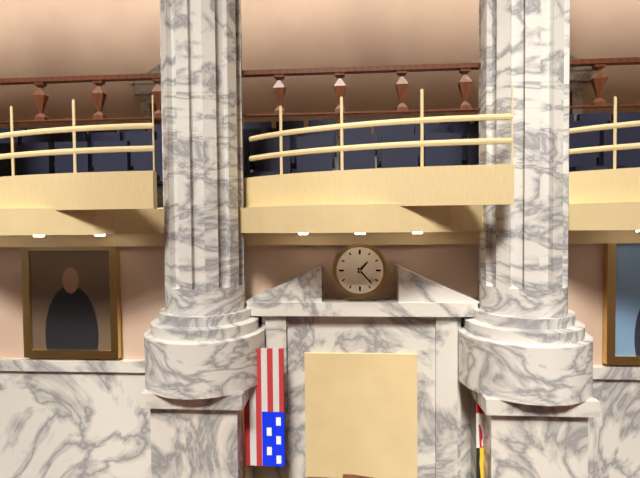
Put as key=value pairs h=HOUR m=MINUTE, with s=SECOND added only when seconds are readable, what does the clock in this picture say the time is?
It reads h=1 m=23
